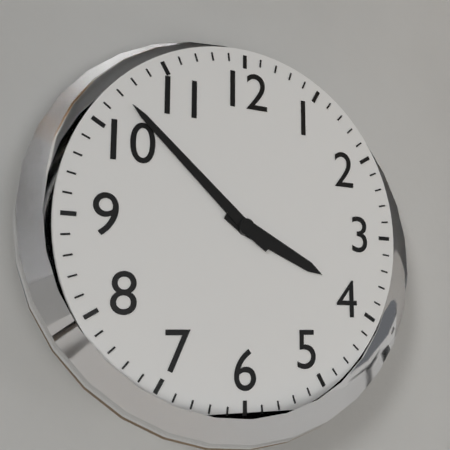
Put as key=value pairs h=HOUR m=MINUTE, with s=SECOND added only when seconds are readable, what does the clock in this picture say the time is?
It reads h=3 m=52
